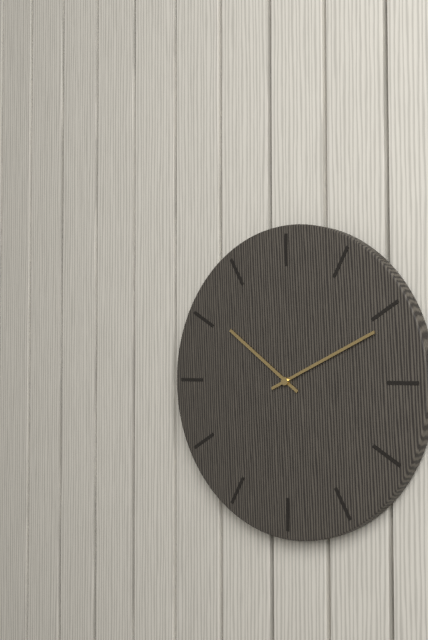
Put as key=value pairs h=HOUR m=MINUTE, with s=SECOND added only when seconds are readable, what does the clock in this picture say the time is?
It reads h=10 m=11
